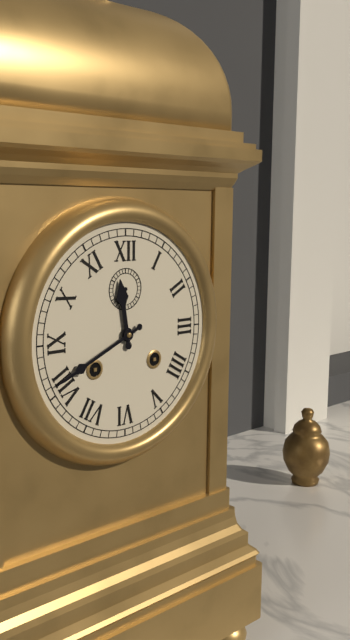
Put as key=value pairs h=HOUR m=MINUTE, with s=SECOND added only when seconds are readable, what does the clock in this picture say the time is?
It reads h=11 m=41
